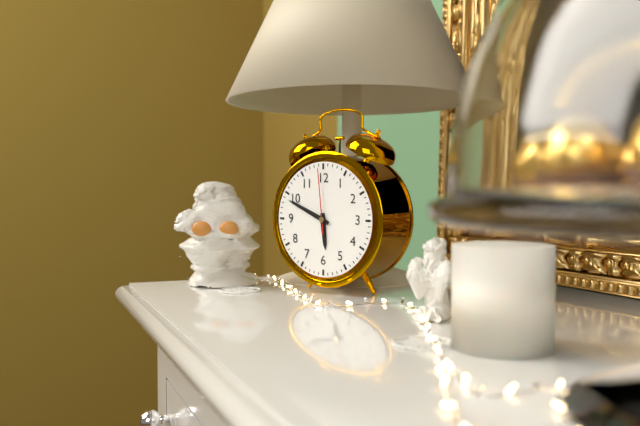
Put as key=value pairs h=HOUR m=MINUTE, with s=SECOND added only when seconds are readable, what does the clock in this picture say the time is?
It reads h=5 m=49 s=59
